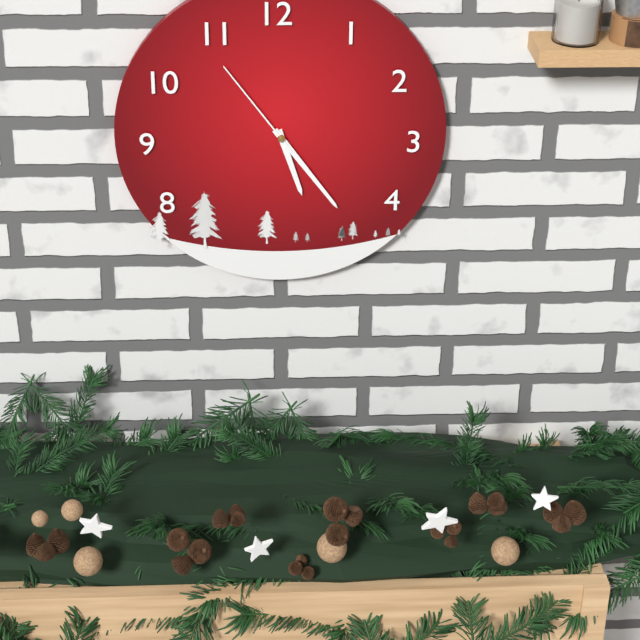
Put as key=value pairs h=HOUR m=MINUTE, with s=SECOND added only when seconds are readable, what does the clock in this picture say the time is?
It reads h=5 m=24 s=54
